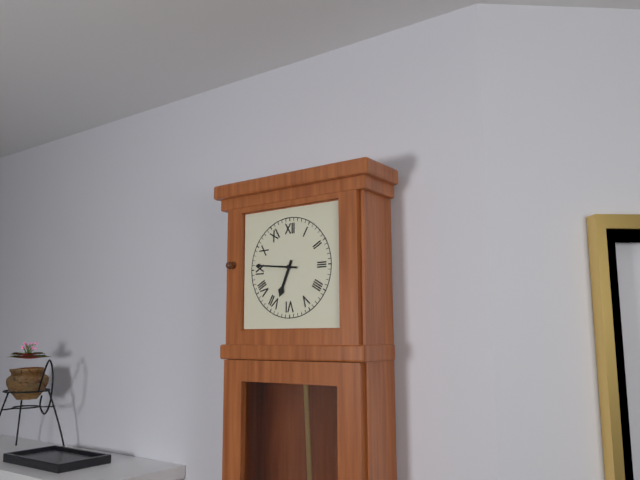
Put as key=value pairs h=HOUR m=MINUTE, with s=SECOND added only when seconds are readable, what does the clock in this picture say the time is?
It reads h=6 m=46
